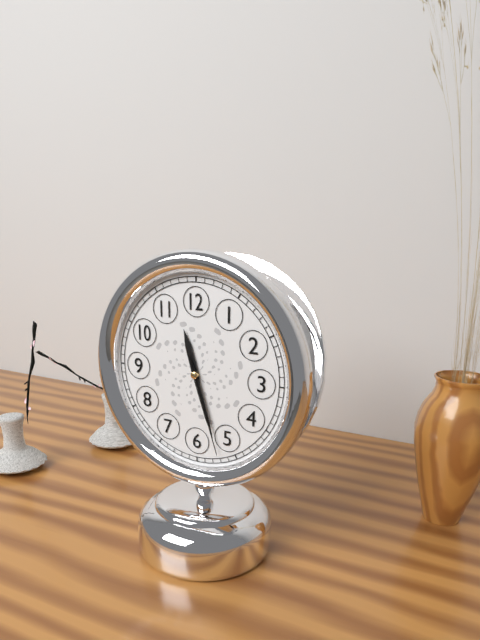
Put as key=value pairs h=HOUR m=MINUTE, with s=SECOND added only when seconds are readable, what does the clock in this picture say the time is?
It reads h=11 m=27 s=27
